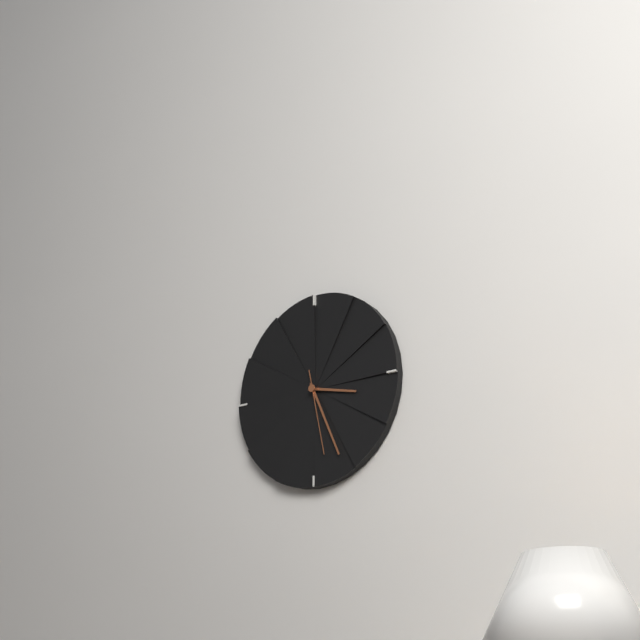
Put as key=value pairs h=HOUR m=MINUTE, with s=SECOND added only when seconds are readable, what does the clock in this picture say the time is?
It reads h=3 m=26 s=28
